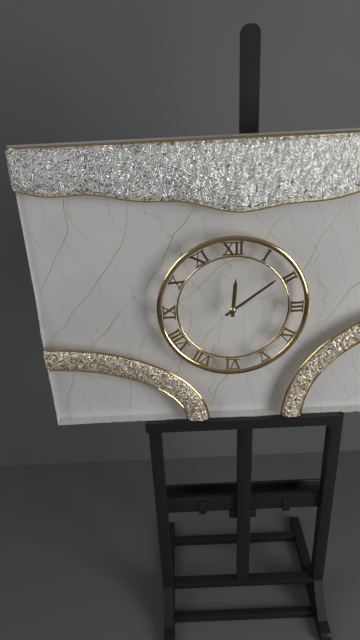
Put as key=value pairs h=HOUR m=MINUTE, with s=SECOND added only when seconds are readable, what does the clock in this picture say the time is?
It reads h=12 m=9
